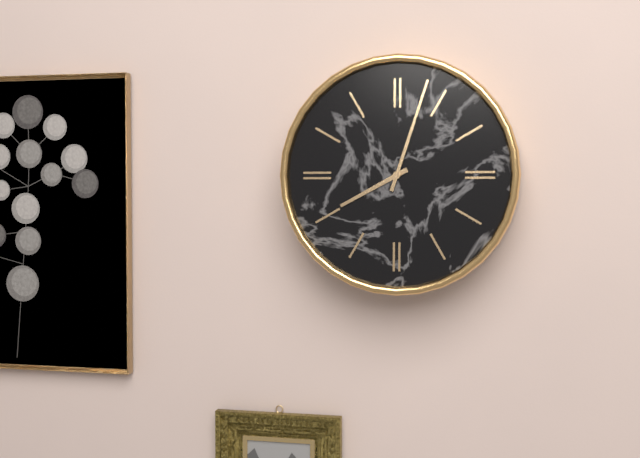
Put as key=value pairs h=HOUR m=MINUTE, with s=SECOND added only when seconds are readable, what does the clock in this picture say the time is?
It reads h=8 m=3
